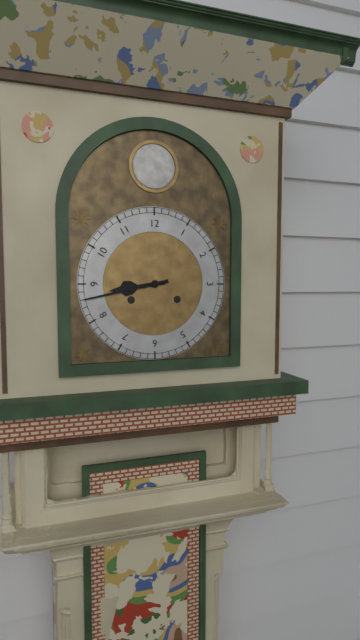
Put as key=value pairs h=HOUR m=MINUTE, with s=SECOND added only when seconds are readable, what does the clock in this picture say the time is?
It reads h=8 m=43
